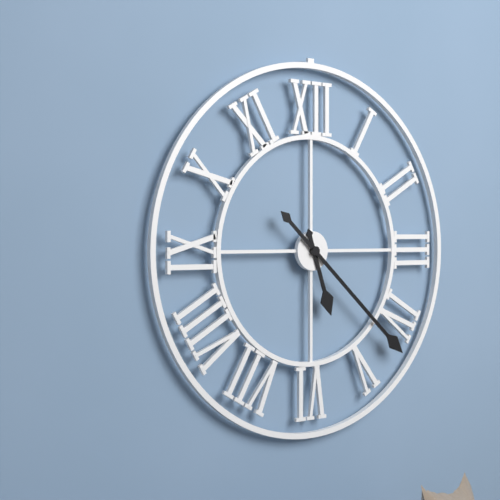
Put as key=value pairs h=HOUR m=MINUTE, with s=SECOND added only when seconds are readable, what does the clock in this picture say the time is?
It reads h=5 m=22
